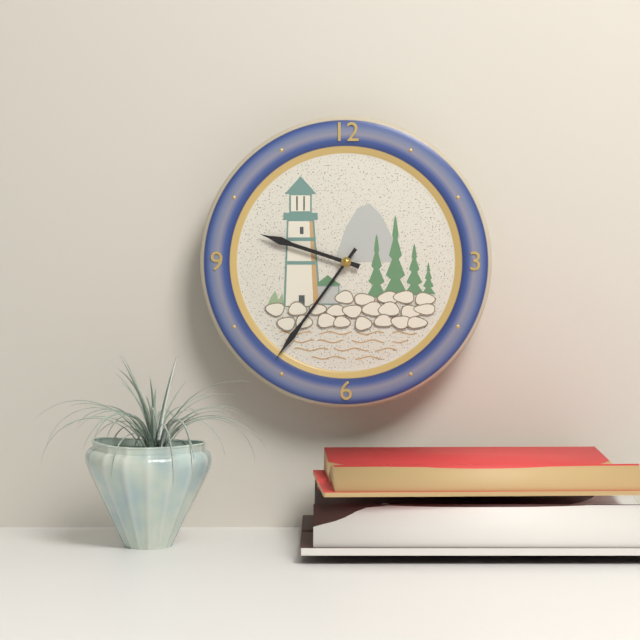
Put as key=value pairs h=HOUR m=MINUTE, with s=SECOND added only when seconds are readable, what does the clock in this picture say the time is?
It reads h=9 m=36
